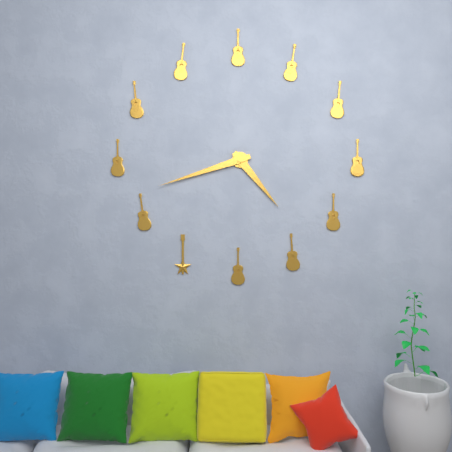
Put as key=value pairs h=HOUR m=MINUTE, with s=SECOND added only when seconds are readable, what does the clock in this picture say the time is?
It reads h=4 m=42
